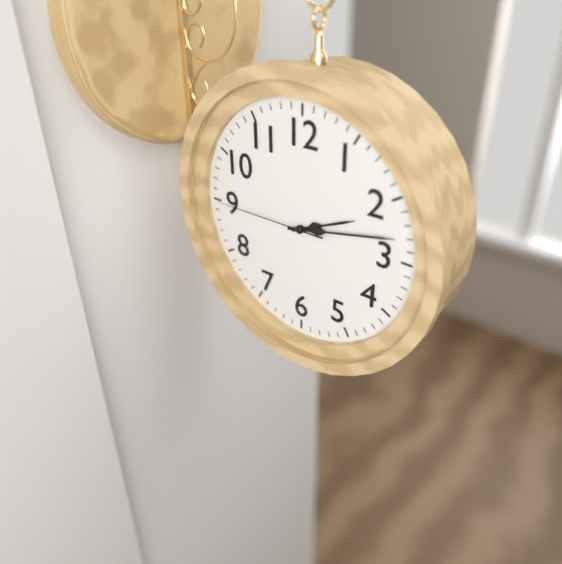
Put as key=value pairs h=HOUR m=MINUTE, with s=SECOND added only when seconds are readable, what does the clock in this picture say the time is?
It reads h=2 m=13 s=45
